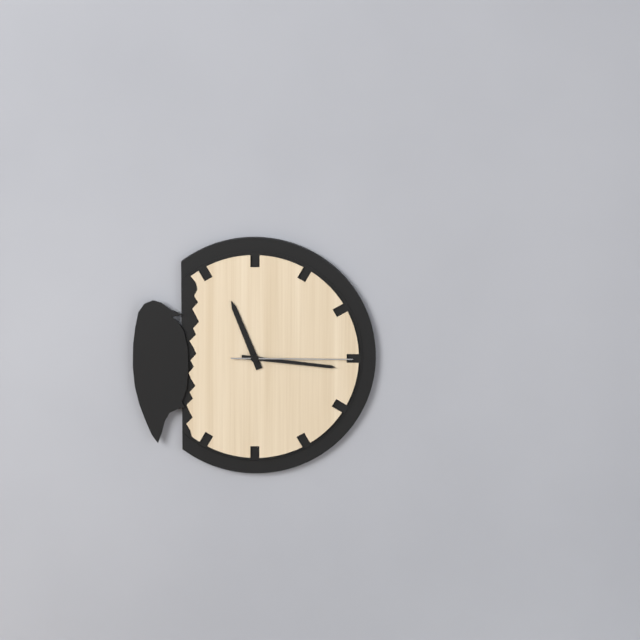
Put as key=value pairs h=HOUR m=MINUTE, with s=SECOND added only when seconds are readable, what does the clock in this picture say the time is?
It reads h=11 m=16 s=15
